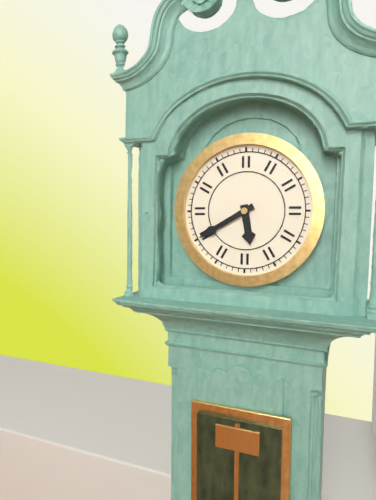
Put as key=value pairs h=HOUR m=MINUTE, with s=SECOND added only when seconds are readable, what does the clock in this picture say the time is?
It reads h=5 m=40
